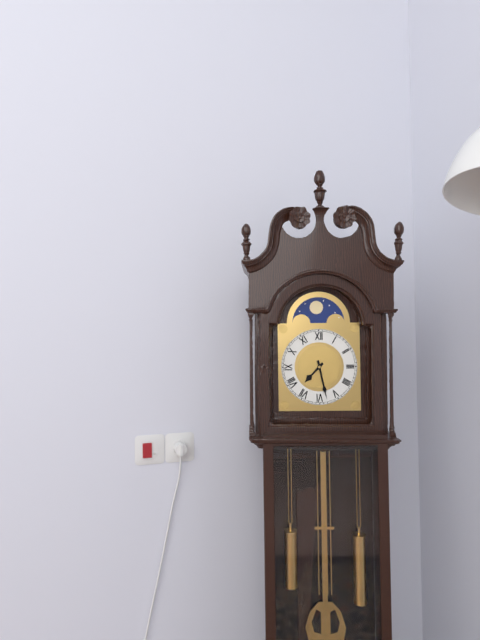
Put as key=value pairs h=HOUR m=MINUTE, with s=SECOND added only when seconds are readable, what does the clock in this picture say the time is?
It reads h=7 m=28
